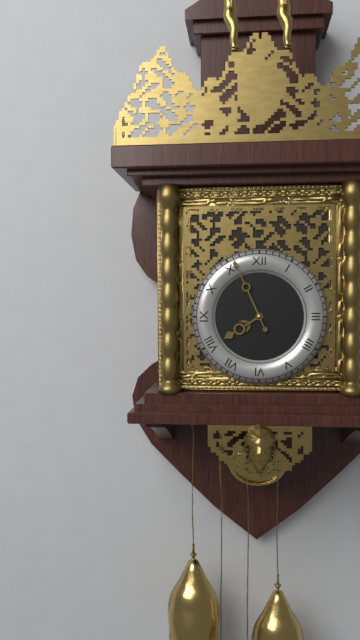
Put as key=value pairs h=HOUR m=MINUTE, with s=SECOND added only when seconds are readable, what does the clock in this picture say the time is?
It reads h=7 m=56
